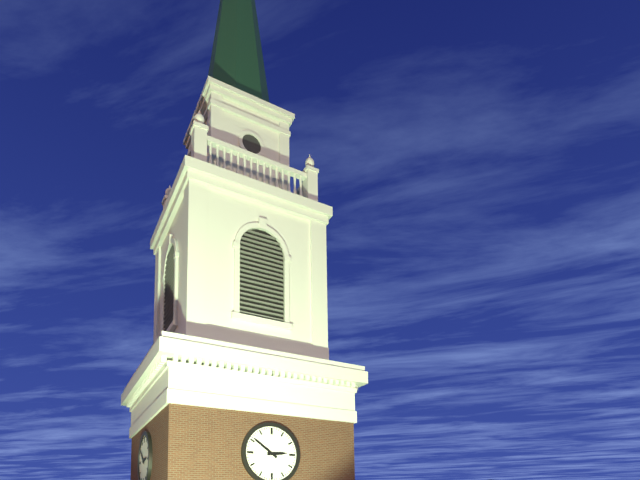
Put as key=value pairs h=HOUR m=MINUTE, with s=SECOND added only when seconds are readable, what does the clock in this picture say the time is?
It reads h=2 m=51
